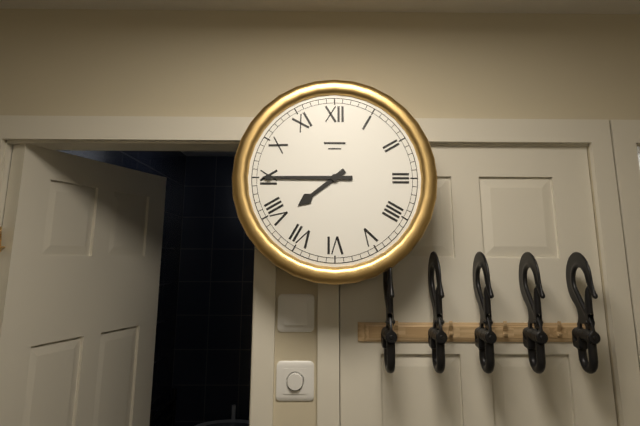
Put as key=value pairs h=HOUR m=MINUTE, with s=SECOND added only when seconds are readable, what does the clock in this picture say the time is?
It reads h=7 m=45
